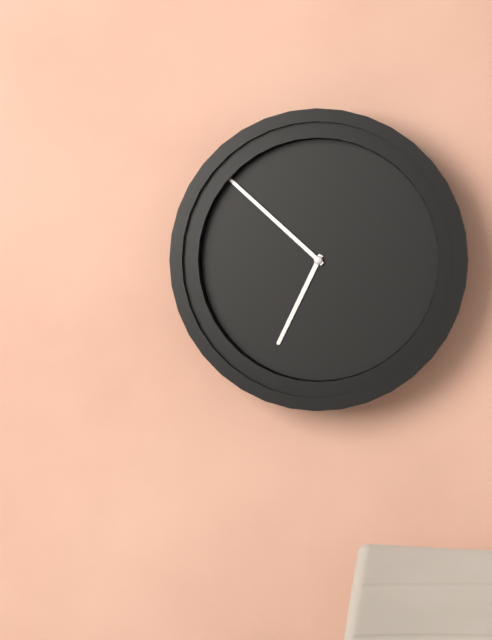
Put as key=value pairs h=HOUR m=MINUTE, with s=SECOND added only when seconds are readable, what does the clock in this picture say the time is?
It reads h=6 m=52
